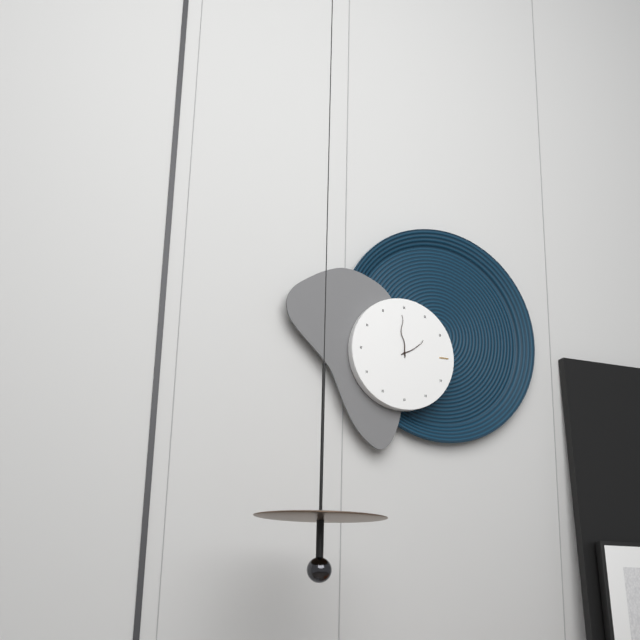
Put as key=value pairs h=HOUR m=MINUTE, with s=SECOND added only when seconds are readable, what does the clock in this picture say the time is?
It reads h=1 m=59
